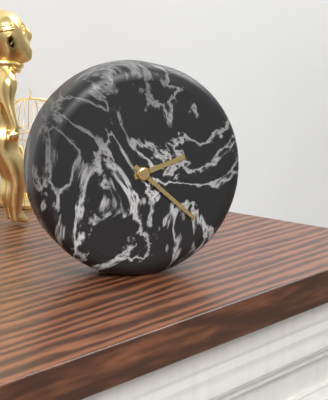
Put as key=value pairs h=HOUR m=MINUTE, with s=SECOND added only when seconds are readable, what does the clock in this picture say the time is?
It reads h=2 m=22
